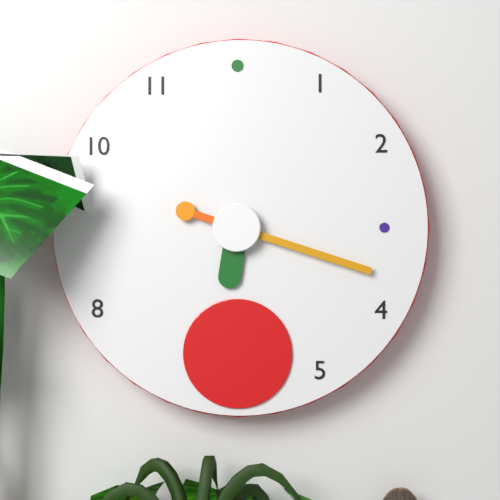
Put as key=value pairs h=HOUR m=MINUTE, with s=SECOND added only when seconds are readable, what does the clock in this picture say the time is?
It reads h=6 m=18
